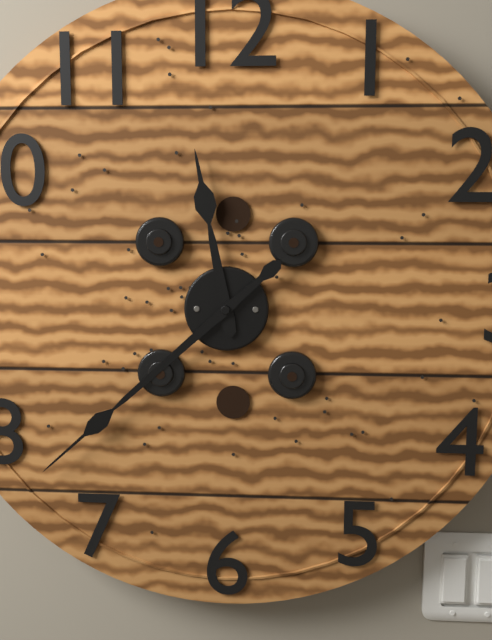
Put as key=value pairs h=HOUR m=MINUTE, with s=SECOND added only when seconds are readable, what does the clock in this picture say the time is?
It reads h=11 m=38
